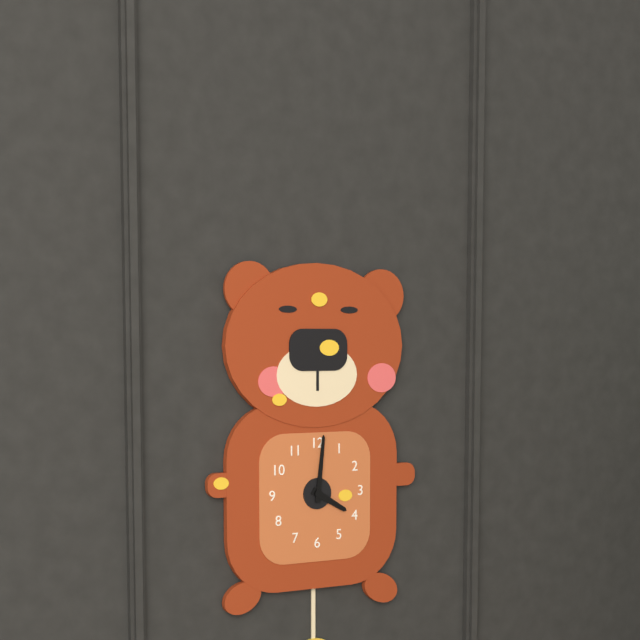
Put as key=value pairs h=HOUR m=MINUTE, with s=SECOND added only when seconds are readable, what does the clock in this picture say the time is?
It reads h=4 m=1
